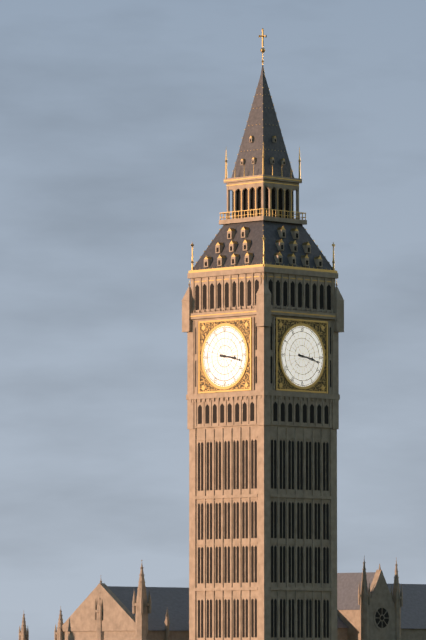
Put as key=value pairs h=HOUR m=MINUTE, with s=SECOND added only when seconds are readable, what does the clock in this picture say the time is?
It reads h=3 m=17
